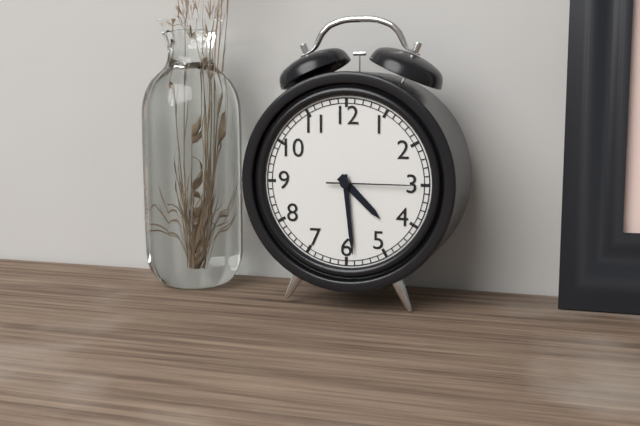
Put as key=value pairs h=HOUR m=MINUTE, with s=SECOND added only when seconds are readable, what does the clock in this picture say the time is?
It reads h=4 m=29 s=15
